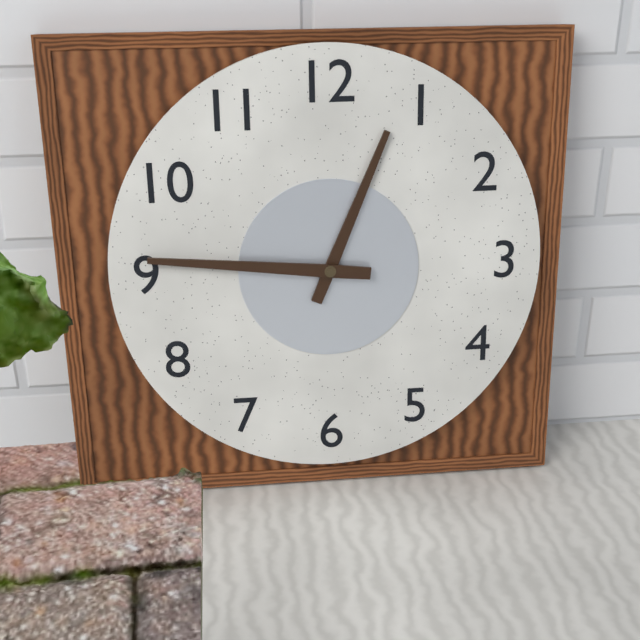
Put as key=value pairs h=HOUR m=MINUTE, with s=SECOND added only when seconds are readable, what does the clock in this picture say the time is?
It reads h=12 m=46
